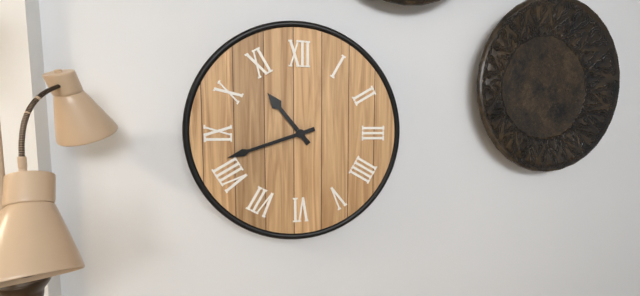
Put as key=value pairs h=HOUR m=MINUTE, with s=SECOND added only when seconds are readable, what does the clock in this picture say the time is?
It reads h=10 m=42
